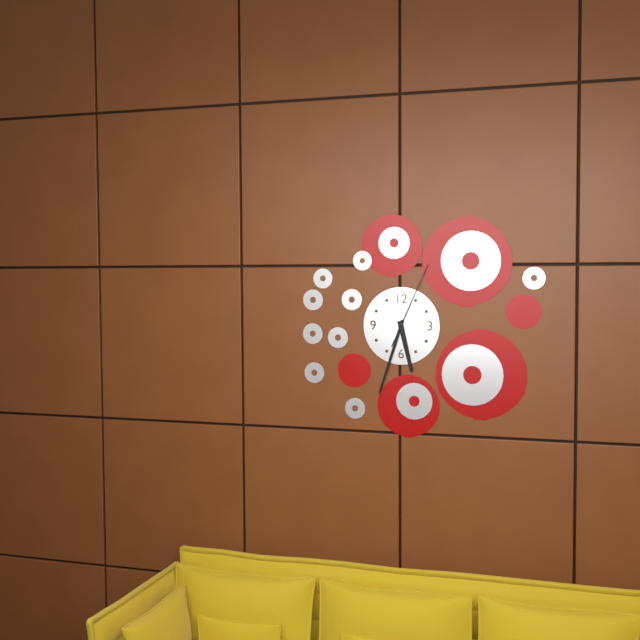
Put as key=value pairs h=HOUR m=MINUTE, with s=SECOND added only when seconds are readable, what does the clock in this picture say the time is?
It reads h=5 m=33 s=4
